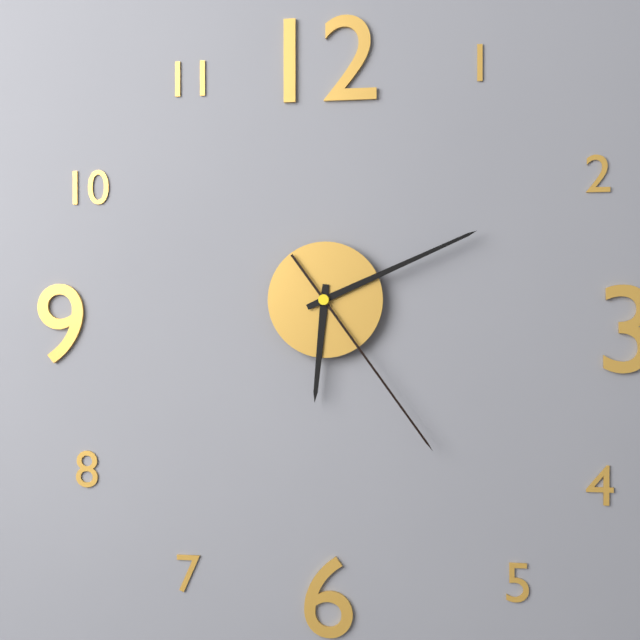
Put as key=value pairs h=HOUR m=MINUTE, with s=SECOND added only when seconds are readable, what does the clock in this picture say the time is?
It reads h=6 m=11 s=24
